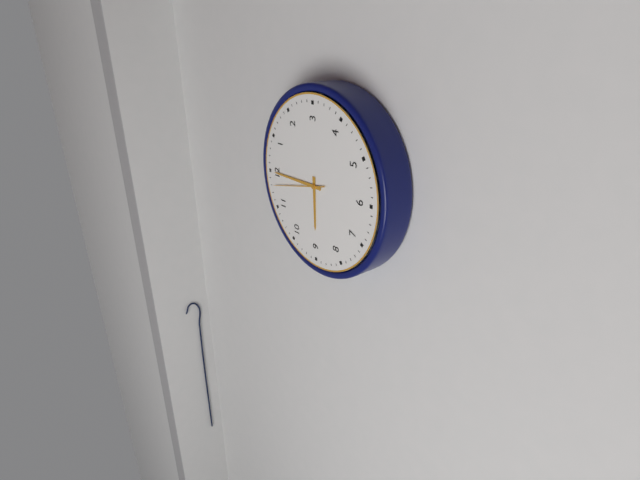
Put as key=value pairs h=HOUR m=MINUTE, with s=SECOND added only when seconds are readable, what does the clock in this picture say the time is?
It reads h=9 m=0 s=58
